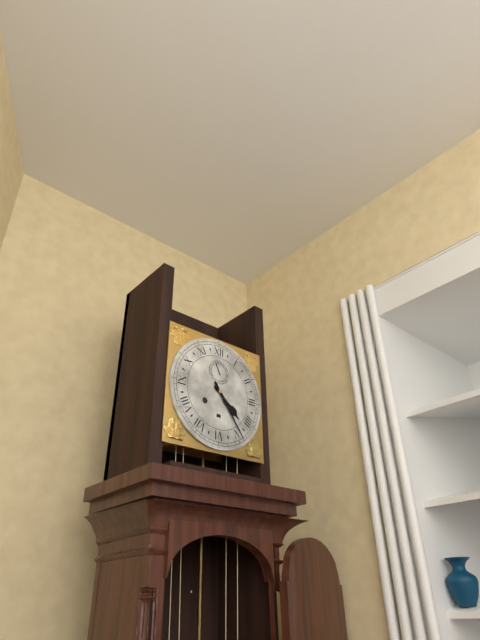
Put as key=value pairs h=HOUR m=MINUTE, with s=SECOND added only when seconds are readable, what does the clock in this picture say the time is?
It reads h=4 m=24
